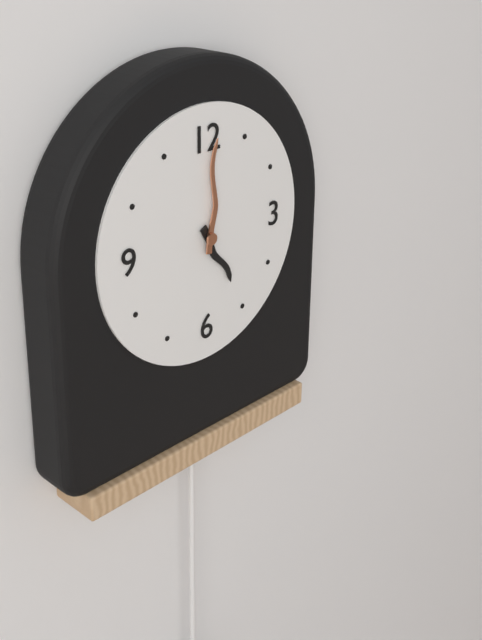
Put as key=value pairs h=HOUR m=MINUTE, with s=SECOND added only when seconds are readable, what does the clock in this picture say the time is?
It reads h=5 m=1
